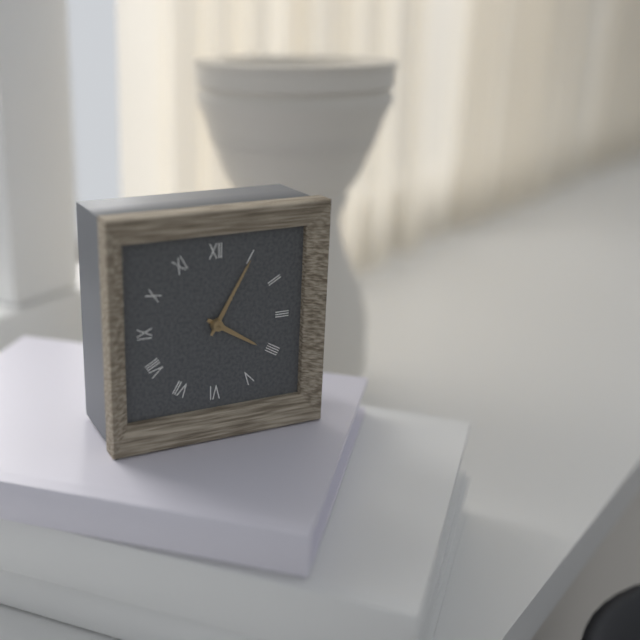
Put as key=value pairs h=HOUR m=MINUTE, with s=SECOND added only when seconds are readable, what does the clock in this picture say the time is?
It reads h=4 m=5
